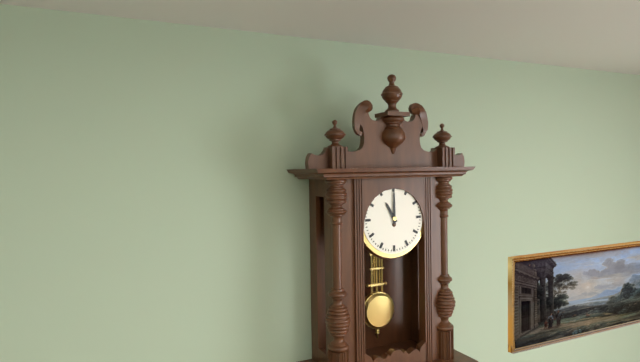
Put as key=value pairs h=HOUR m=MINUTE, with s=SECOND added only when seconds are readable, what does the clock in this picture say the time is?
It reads h=11 m=0
